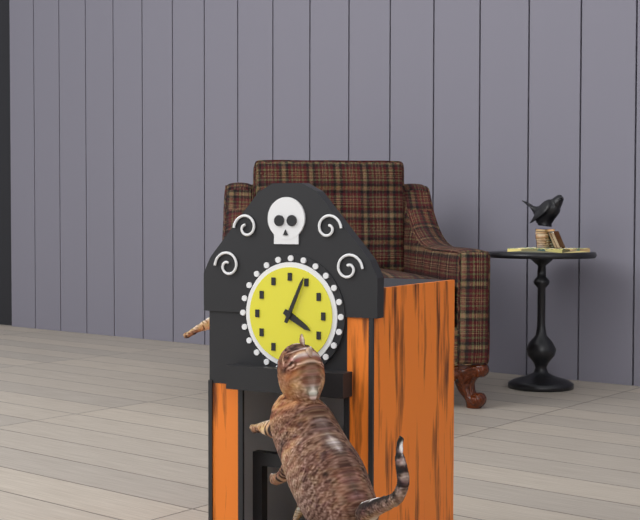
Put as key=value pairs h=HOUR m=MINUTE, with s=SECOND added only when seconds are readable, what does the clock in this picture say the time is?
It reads h=4 m=4
